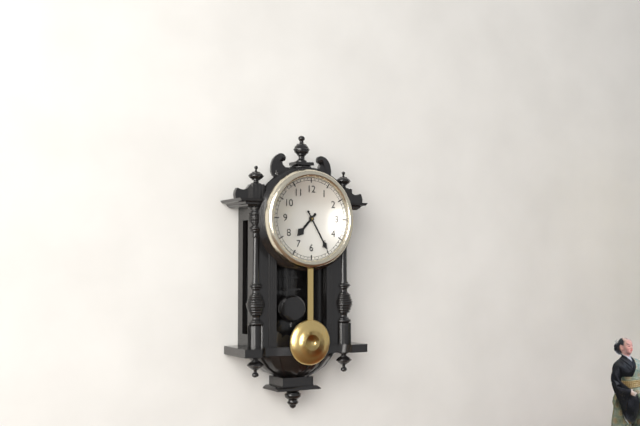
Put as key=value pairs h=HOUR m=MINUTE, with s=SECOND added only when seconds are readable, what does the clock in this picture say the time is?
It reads h=7 m=25
